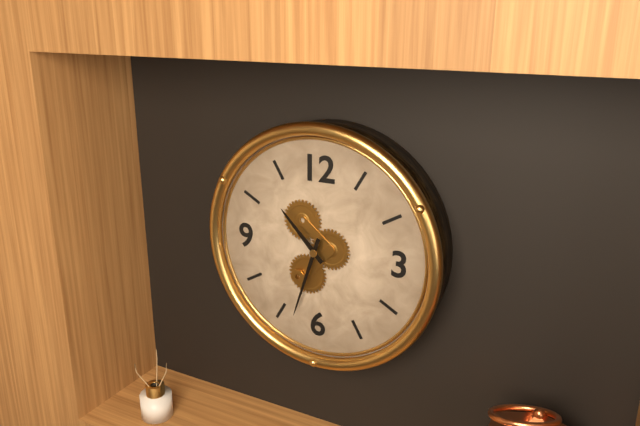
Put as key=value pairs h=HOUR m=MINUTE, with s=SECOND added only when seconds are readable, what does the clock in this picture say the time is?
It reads h=10 m=33
